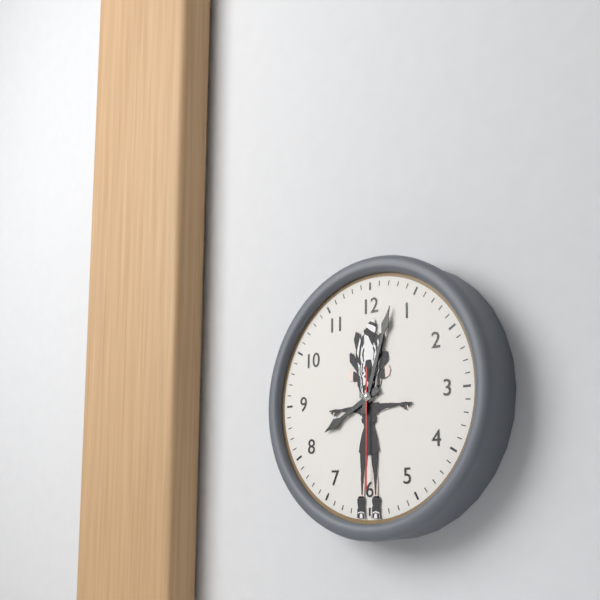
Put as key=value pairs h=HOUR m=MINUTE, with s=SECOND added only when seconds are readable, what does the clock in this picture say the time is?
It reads h=8 m=3 s=30
